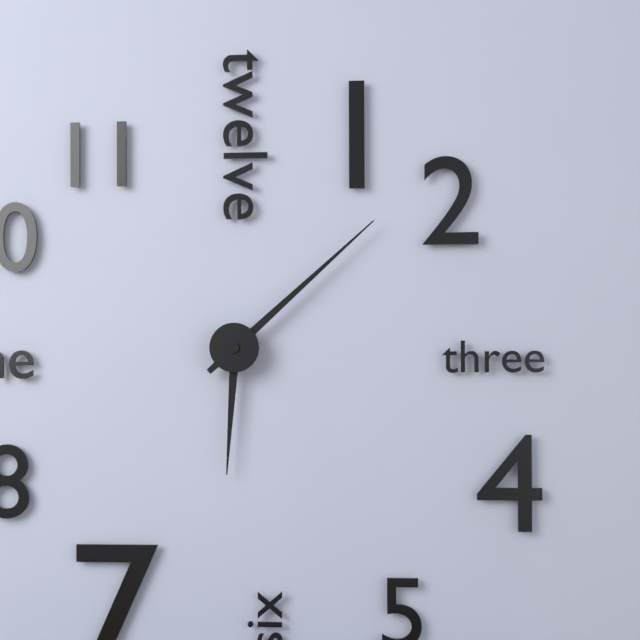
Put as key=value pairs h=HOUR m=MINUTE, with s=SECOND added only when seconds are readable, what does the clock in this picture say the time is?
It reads h=6 m=8
